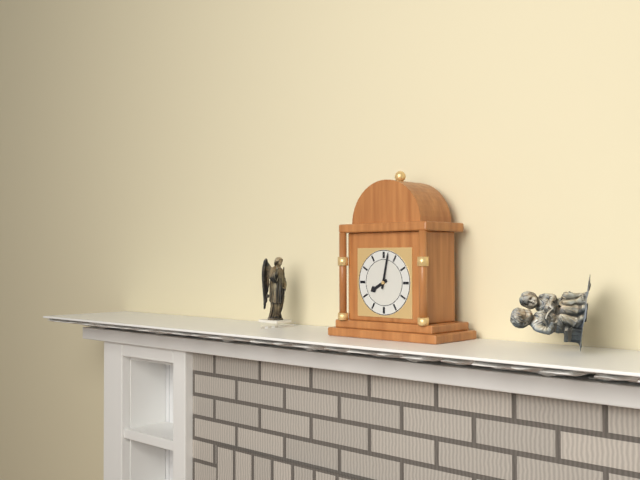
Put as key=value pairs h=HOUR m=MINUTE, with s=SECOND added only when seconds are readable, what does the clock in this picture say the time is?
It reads h=8 m=2
